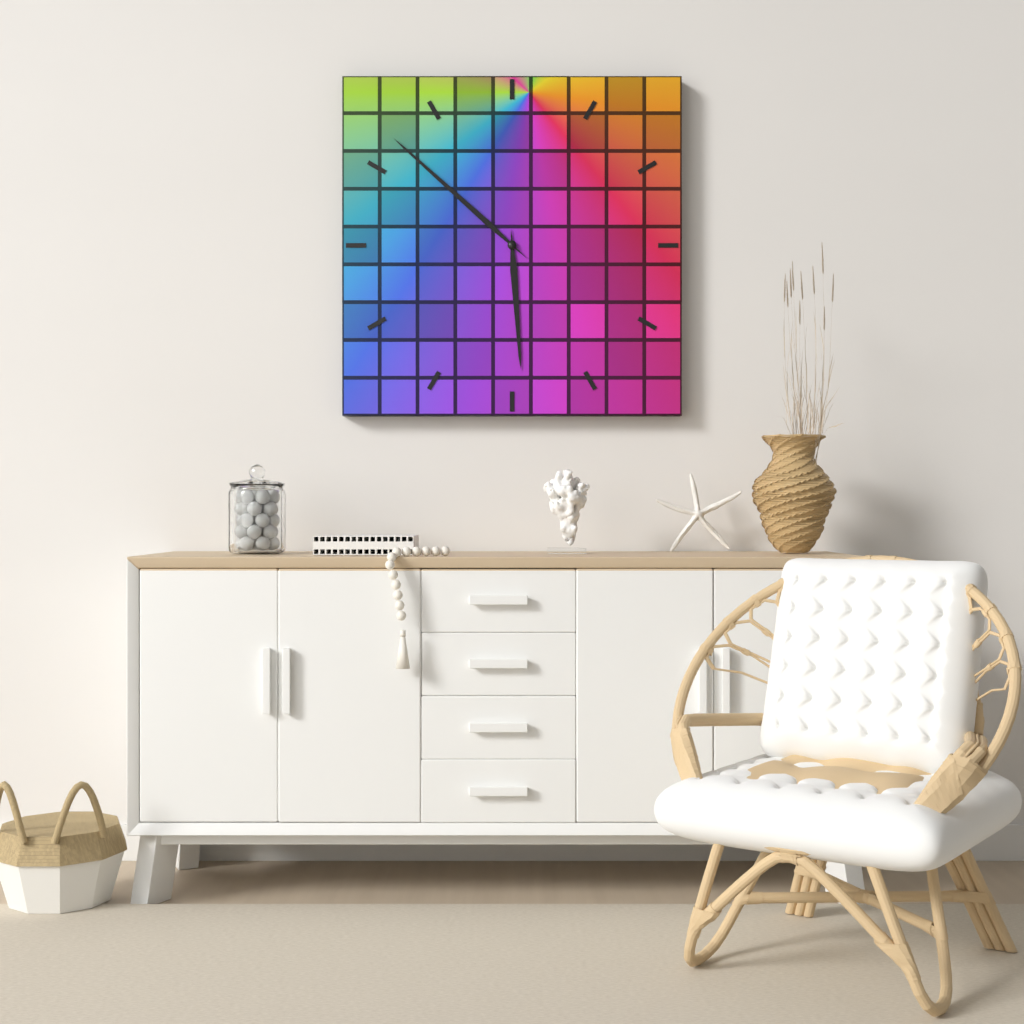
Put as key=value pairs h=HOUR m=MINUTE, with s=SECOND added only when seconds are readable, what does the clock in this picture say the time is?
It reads h=5 m=52
